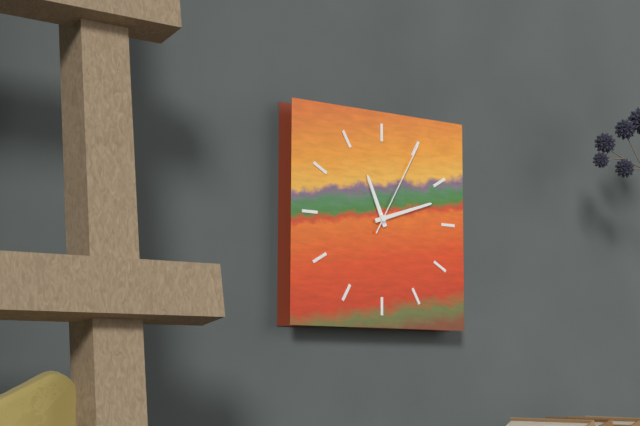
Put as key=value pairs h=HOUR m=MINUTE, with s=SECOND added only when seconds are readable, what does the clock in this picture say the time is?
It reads h=11 m=12 s=5
